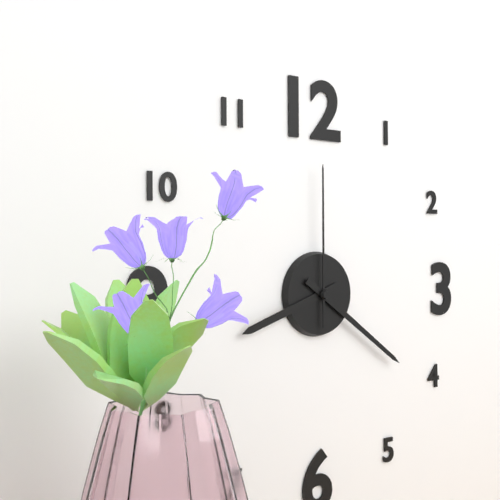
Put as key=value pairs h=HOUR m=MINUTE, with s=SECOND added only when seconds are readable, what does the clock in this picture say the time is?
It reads h=8 m=21 s=0
